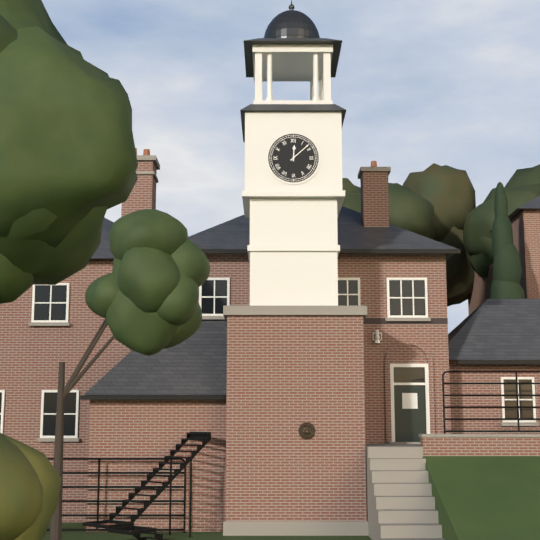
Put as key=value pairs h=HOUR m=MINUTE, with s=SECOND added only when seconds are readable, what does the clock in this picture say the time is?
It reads h=12 m=8
